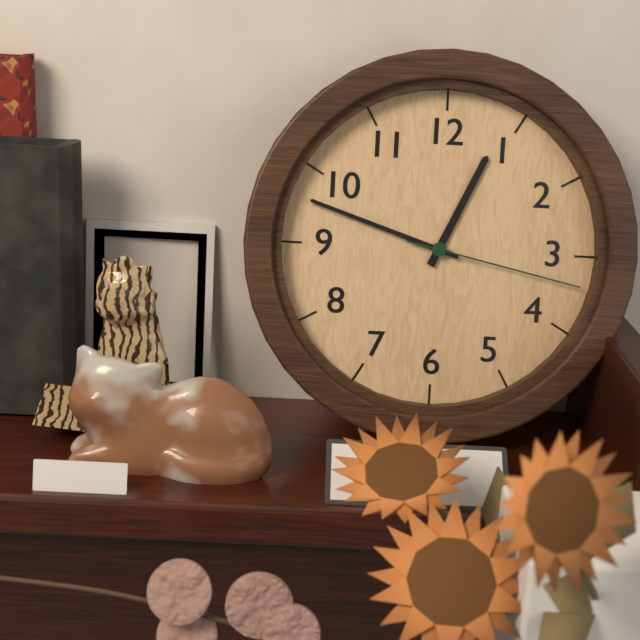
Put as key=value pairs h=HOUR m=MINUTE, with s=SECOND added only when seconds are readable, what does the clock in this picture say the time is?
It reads h=12 m=48 s=17
